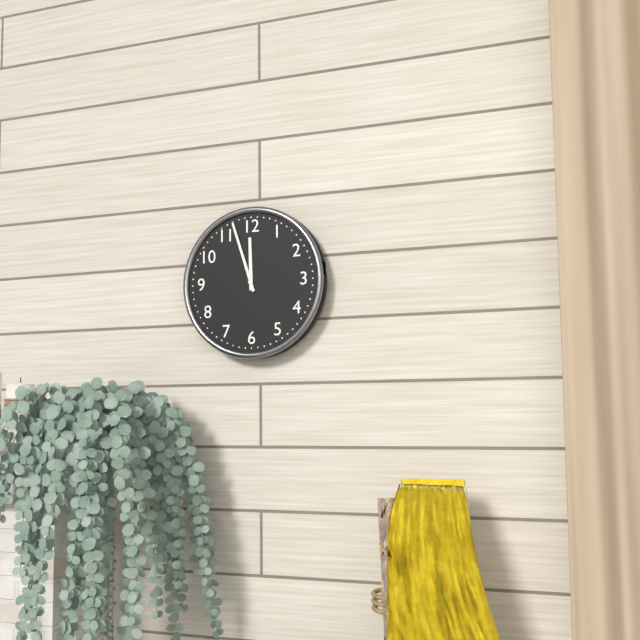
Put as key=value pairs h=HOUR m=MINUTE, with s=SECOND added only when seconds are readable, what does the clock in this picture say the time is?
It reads h=11 m=57
